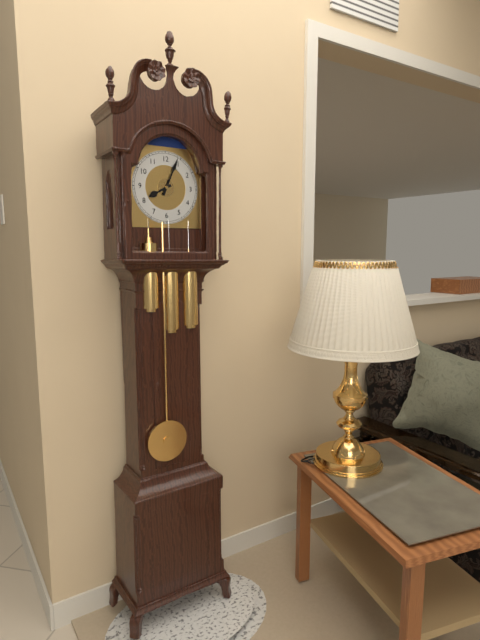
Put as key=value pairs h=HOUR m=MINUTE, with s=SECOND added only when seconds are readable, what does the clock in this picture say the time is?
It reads h=8 m=4
